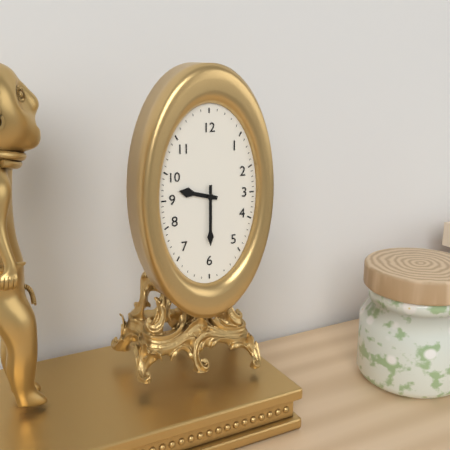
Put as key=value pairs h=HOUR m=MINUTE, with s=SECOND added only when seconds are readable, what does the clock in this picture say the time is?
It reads h=9 m=30
